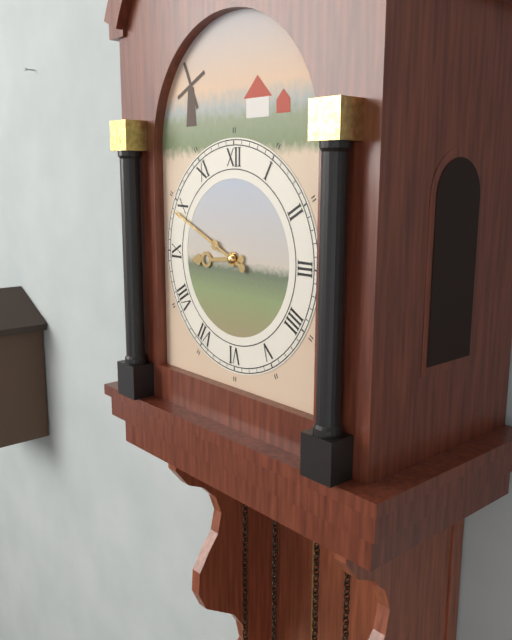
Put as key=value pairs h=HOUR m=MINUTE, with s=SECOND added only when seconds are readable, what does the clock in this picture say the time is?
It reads h=8 m=49
